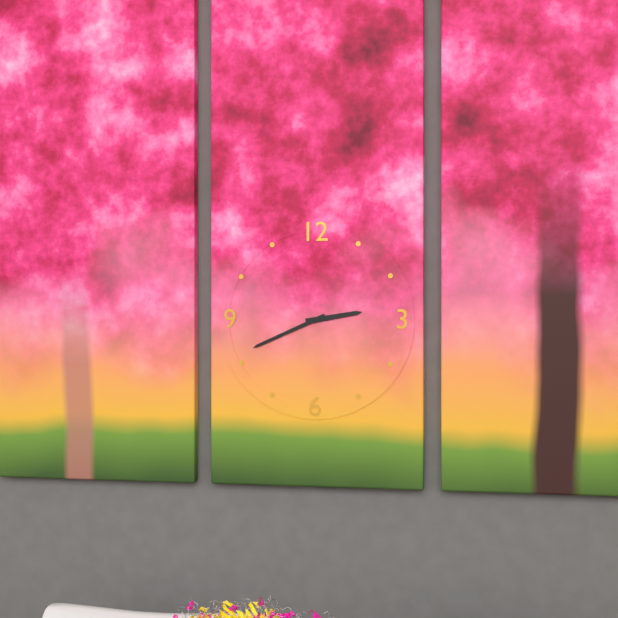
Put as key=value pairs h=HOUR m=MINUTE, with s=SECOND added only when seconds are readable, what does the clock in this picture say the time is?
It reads h=2 m=41
